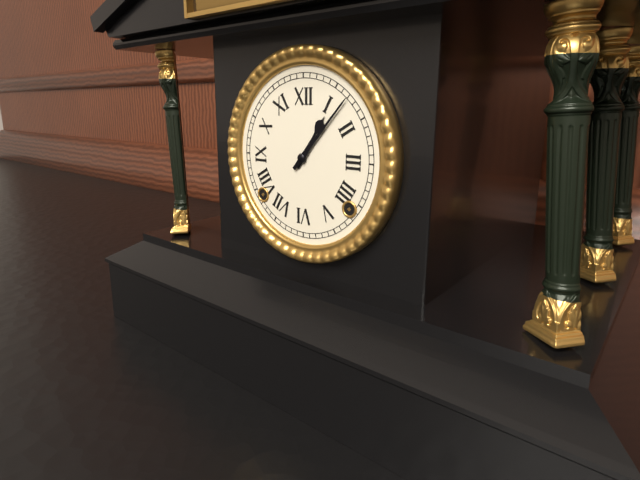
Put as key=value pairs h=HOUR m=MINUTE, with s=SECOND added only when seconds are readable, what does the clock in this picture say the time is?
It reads h=1 m=7
